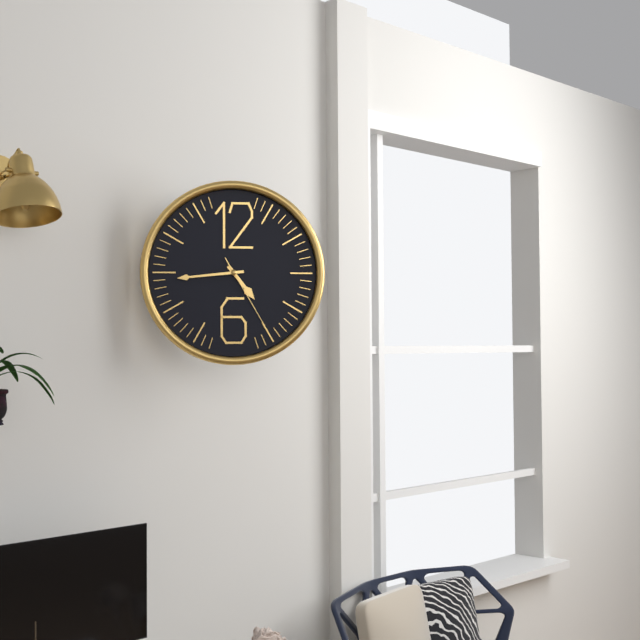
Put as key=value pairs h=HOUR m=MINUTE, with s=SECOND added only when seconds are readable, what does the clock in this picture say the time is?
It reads h=4 m=44 s=25
